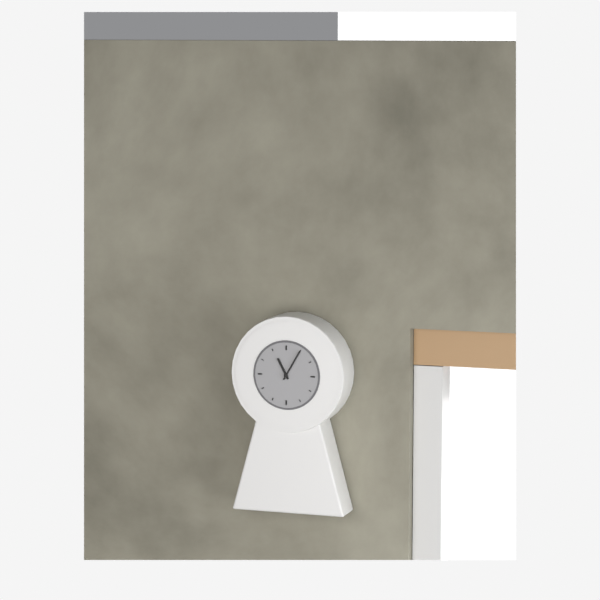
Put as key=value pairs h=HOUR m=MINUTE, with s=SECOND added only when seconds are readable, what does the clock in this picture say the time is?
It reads h=11 m=5
